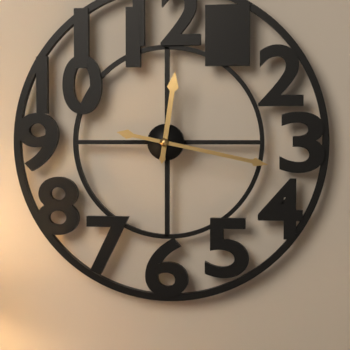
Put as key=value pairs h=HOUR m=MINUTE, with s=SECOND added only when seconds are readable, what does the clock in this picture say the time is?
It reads h=12 m=17
